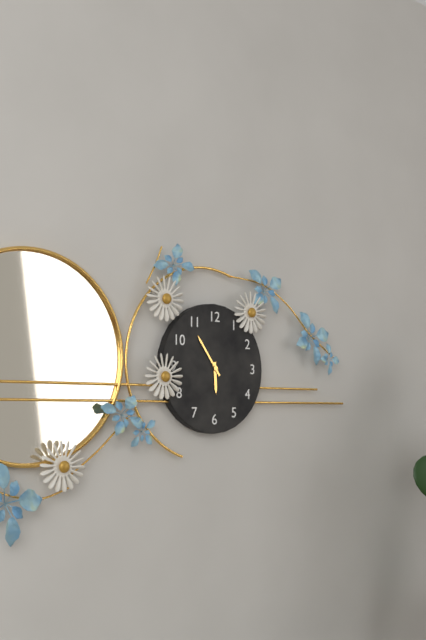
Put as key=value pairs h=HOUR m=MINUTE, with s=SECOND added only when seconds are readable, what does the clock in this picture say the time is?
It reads h=5 m=54
